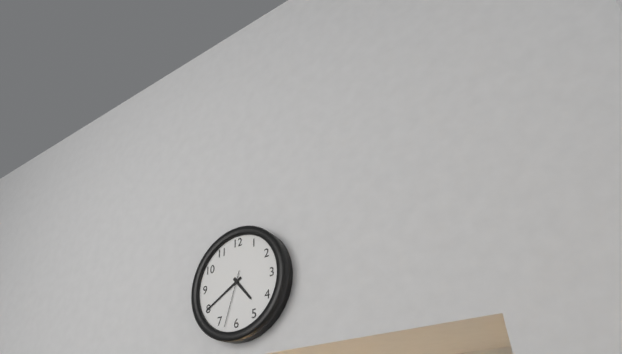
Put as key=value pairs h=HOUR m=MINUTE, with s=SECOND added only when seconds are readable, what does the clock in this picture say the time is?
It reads h=4 m=40 s=33
